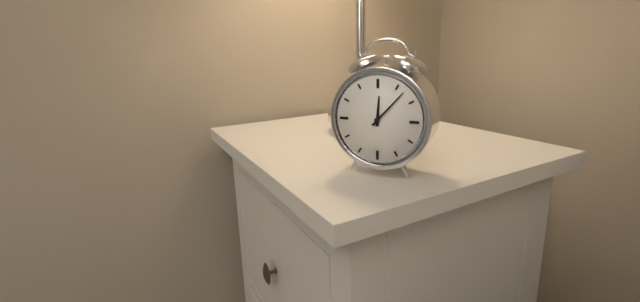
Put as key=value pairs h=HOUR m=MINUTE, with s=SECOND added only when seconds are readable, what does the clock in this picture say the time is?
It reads h=12 m=7
